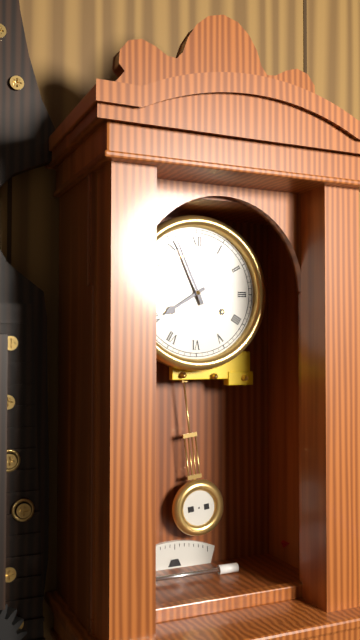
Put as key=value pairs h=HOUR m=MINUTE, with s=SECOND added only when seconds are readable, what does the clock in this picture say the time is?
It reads h=7 m=56
